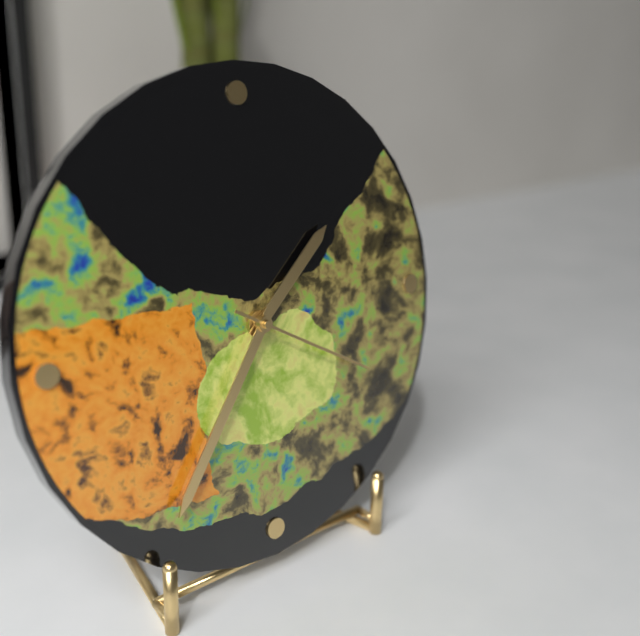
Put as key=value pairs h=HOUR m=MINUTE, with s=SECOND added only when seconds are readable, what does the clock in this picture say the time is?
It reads h=1 m=36 s=20
